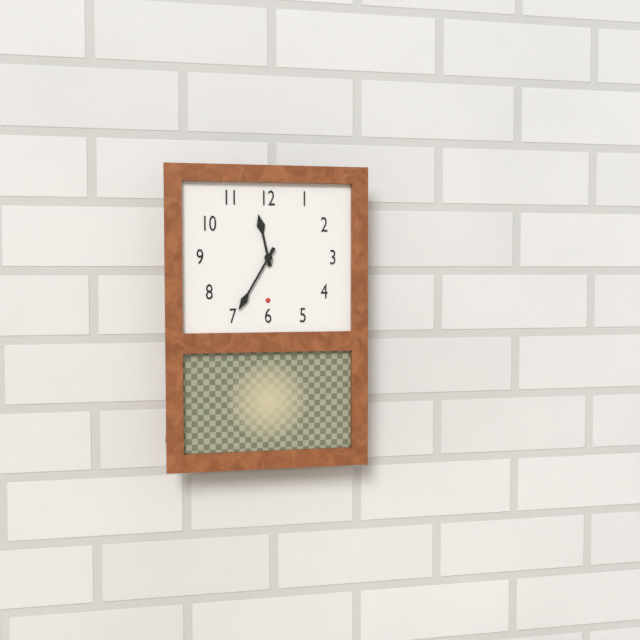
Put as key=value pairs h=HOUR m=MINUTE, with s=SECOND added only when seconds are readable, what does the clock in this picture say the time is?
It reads h=11 m=35
